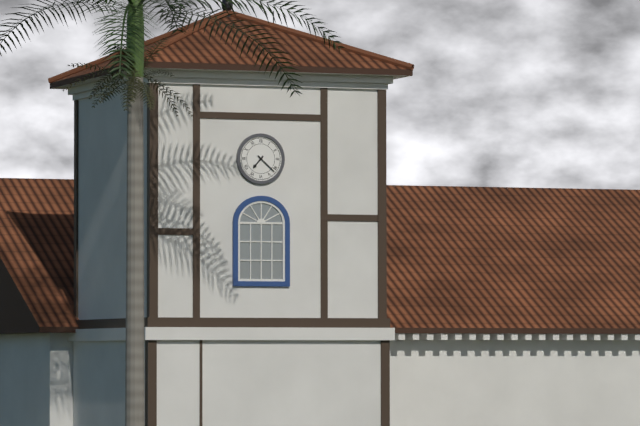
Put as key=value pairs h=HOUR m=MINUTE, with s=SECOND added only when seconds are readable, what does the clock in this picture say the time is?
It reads h=7 m=22
